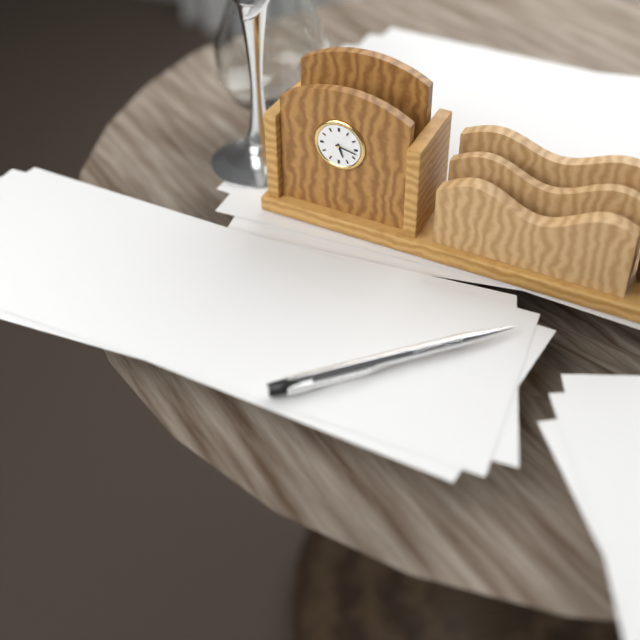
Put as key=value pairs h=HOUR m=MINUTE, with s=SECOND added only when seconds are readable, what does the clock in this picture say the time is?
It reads h=5 m=17
